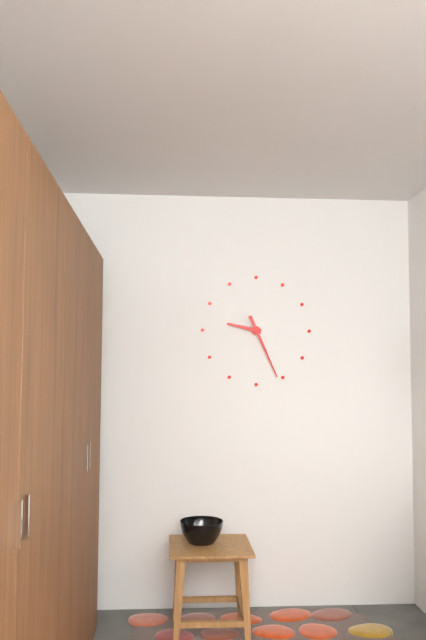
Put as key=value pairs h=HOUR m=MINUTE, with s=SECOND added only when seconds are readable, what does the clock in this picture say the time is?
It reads h=9 m=26
